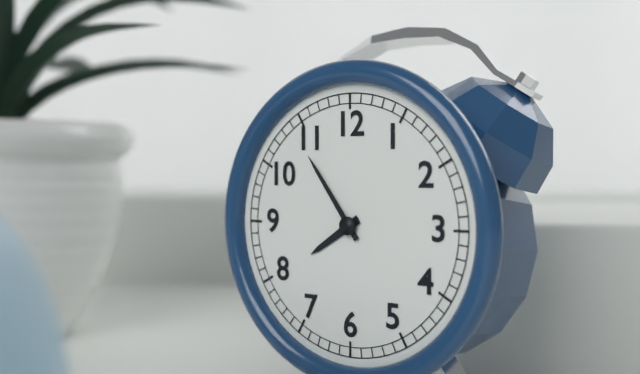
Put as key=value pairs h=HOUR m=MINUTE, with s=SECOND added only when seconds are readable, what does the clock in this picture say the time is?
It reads h=7 m=54
